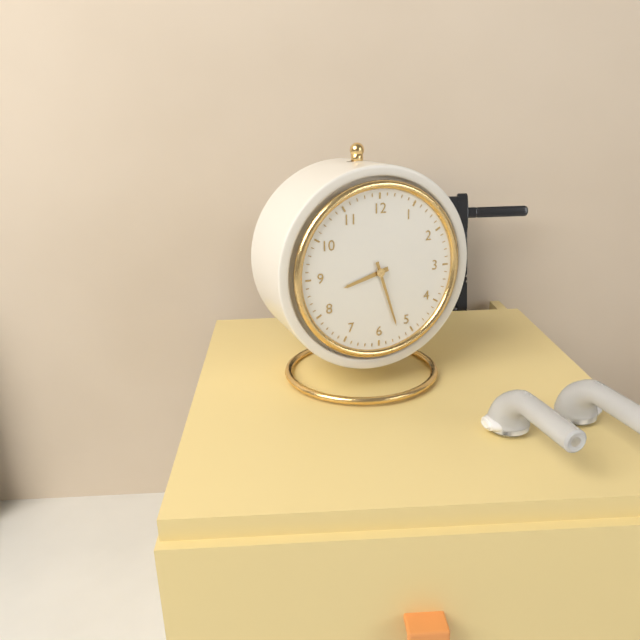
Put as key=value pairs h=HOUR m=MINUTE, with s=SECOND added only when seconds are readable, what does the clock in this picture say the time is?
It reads h=8 m=27
